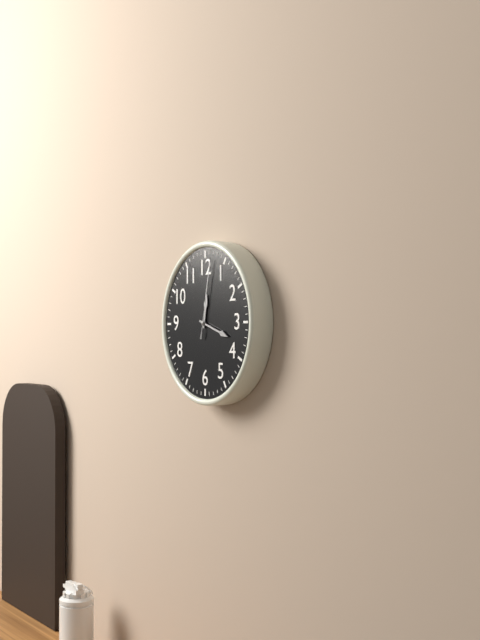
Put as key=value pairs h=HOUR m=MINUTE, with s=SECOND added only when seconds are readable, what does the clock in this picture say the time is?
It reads h=12 m=18 s=2
